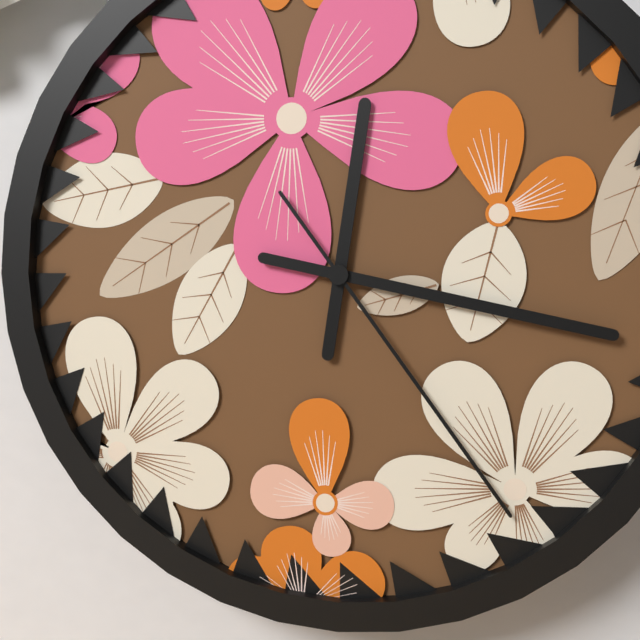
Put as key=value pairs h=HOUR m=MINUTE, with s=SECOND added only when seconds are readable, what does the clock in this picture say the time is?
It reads h=12 m=17 s=24
